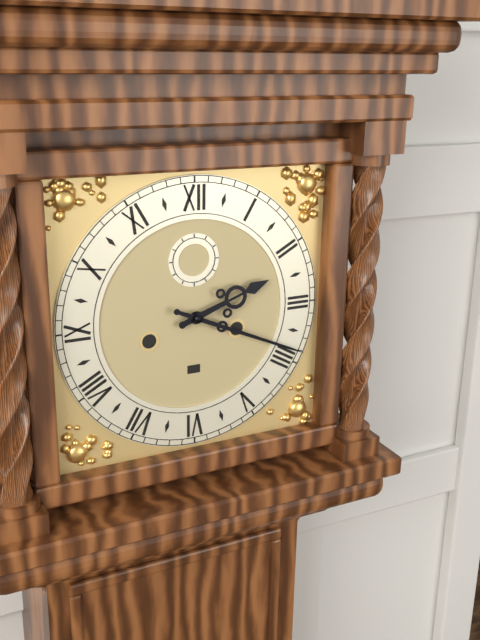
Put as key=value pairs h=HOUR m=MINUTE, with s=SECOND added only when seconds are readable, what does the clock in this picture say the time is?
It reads h=2 m=19
